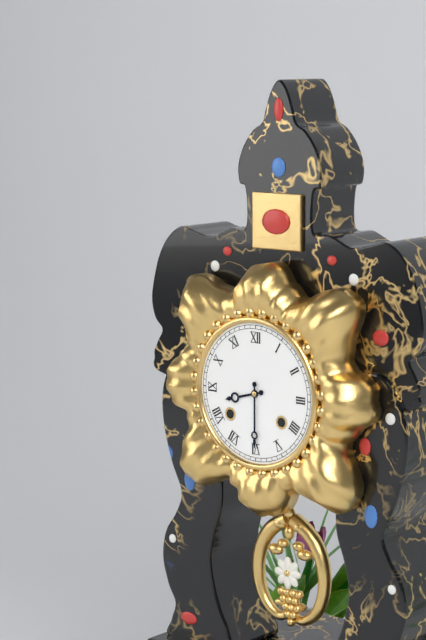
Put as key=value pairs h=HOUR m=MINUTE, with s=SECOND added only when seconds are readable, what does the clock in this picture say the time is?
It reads h=8 m=30
